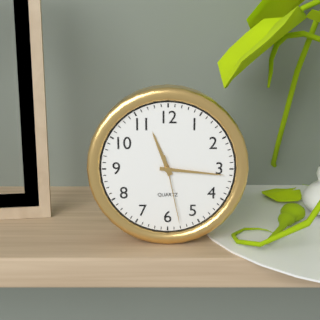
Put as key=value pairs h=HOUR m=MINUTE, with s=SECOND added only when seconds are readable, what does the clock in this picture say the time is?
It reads h=11 m=16 s=28
